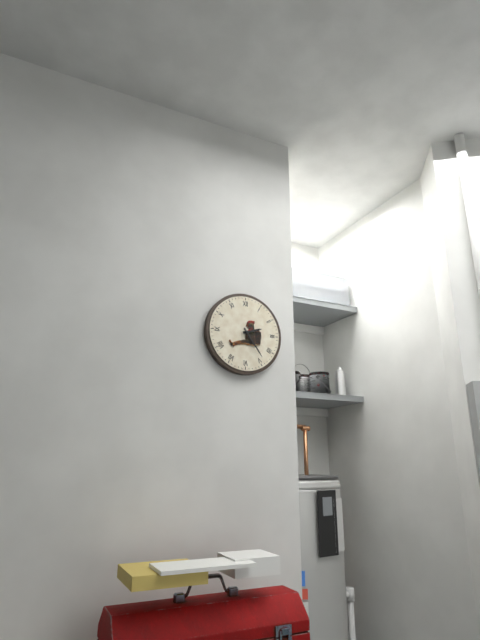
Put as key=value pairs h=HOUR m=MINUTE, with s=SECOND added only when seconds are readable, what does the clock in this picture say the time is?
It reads h=2 m=24
